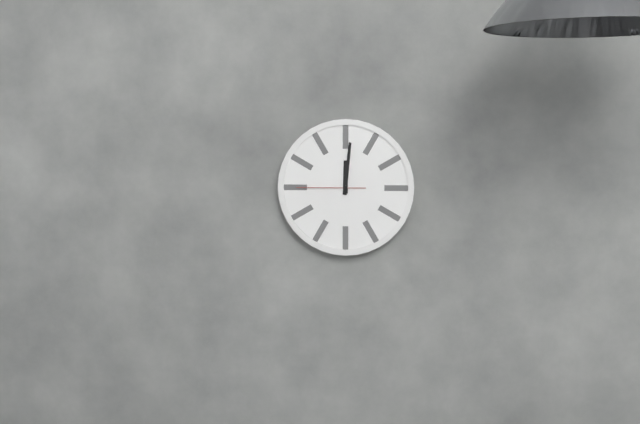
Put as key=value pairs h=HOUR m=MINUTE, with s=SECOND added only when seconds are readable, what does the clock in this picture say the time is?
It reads h=12 m=1 s=45
